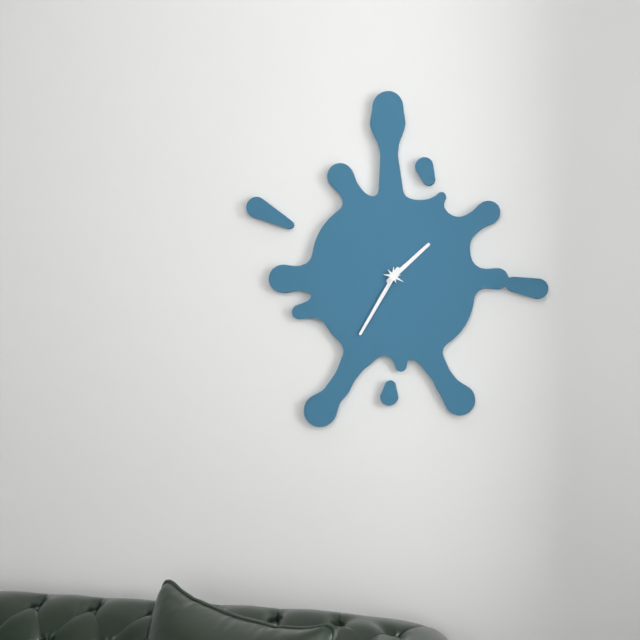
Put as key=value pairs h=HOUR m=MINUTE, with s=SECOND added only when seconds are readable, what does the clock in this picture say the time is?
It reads h=1 m=35
